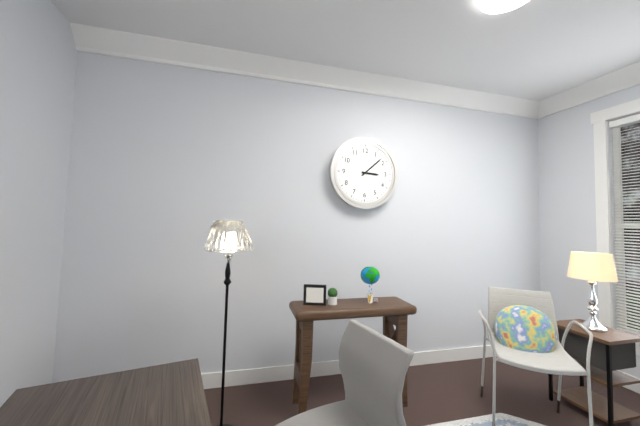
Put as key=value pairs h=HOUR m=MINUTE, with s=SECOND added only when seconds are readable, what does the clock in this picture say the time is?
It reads h=3 m=8
